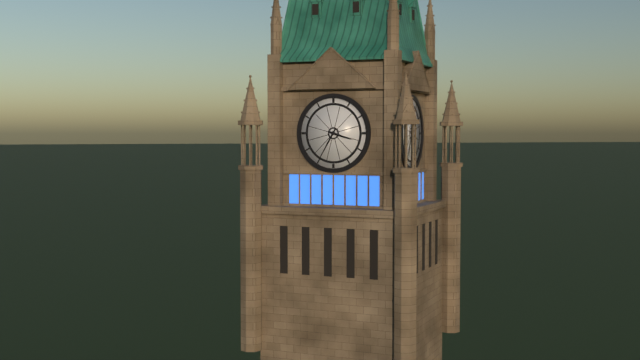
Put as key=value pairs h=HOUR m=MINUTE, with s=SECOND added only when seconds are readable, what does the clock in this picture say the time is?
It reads h=3 m=35
